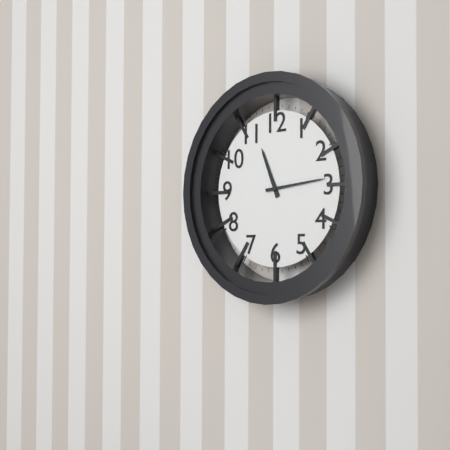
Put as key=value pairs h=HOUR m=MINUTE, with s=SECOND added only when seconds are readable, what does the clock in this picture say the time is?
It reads h=11 m=14
